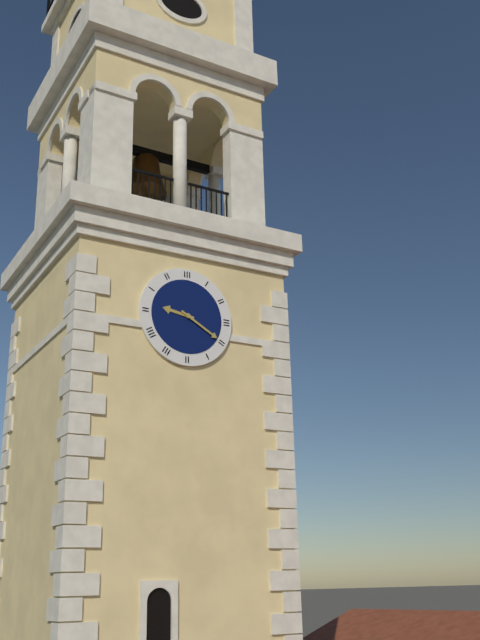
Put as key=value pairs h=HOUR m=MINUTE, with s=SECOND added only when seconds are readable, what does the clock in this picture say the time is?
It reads h=9 m=20
